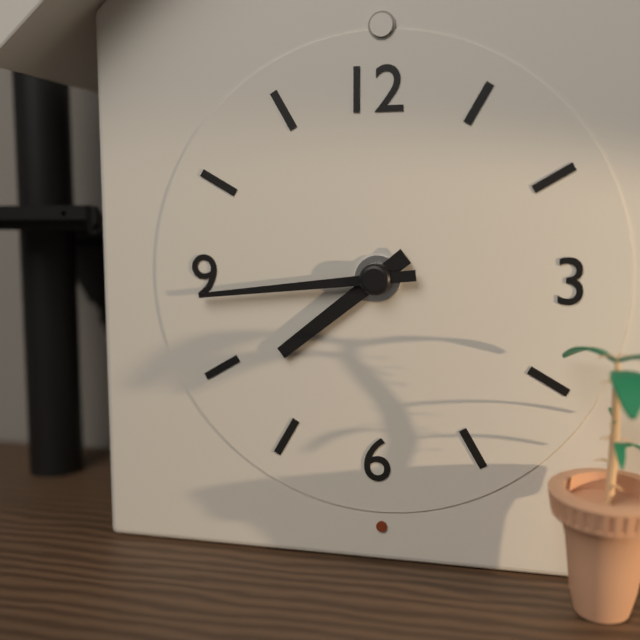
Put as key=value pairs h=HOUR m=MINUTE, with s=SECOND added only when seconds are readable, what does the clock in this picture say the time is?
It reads h=7 m=44
